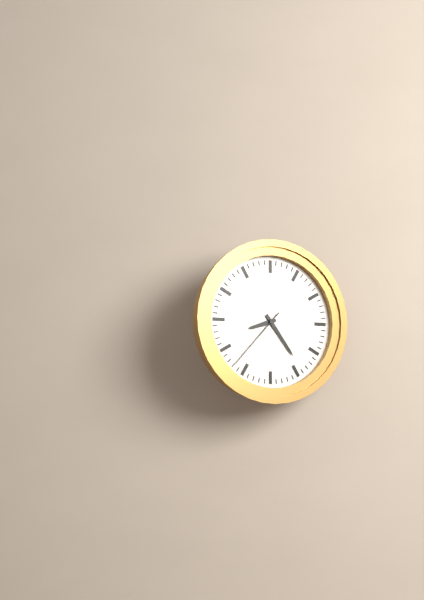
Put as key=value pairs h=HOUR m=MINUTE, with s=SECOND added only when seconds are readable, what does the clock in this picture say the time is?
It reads h=8 m=24 s=37
